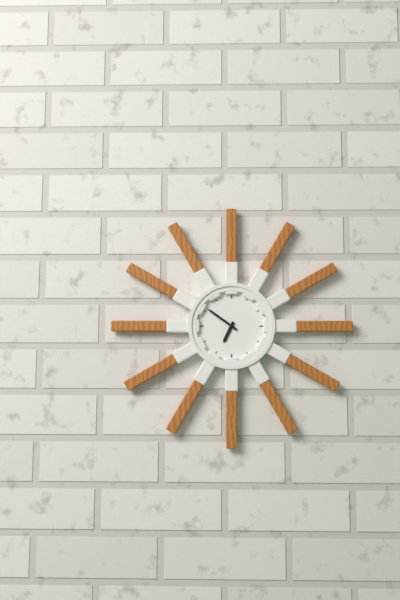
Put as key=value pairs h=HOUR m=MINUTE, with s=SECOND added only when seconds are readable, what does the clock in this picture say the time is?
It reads h=6 m=51
